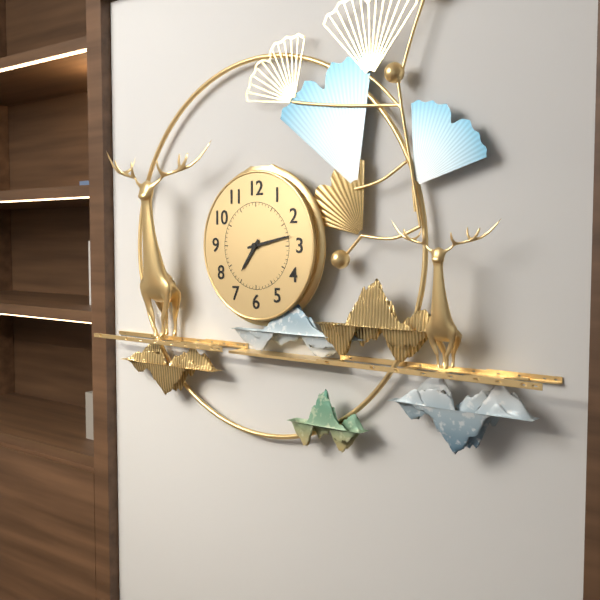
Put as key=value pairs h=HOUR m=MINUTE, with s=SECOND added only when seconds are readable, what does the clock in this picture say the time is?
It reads h=7 m=13
